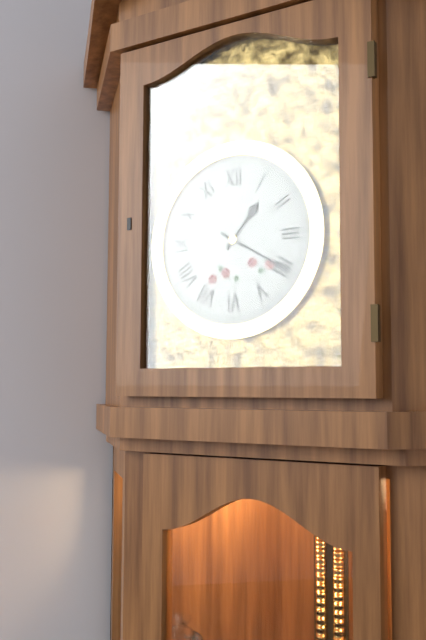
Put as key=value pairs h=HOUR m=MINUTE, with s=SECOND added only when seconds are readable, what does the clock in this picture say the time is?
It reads h=1 m=20
